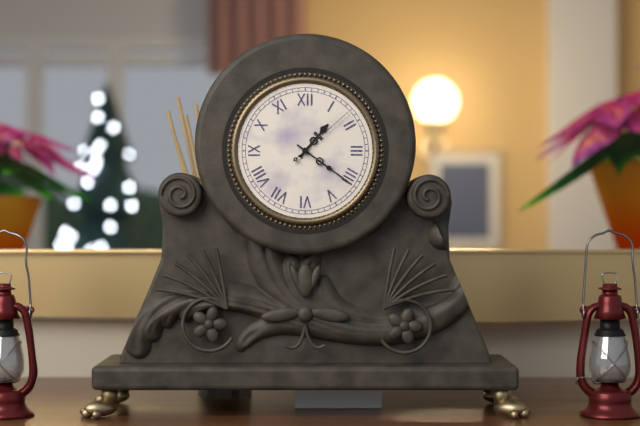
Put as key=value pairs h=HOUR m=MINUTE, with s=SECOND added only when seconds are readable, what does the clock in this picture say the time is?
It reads h=1 m=21 s=8
